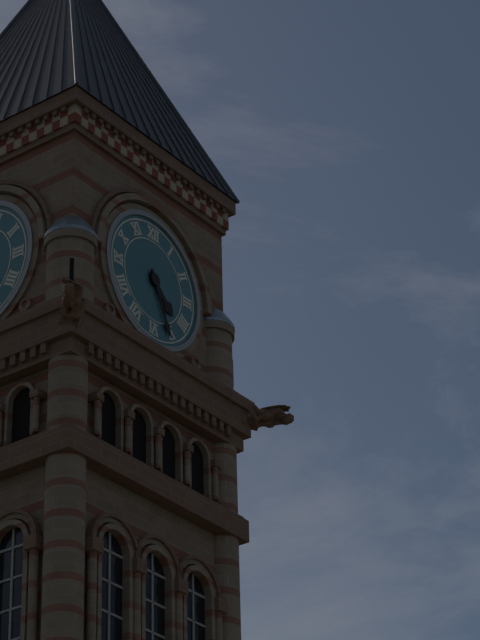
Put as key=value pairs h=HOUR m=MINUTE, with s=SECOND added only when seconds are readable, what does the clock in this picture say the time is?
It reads h=4 m=26
